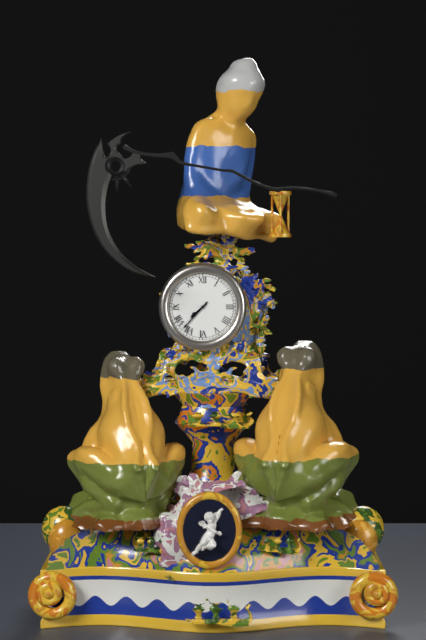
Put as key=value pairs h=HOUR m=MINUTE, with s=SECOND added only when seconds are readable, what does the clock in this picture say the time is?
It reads h=7 m=37
